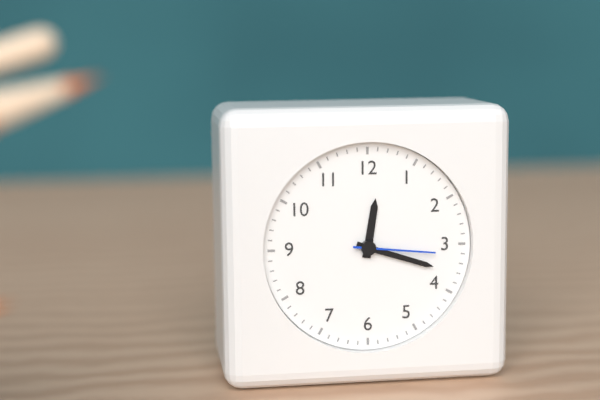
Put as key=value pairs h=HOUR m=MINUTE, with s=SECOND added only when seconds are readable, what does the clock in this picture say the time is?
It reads h=12 m=18 s=16
